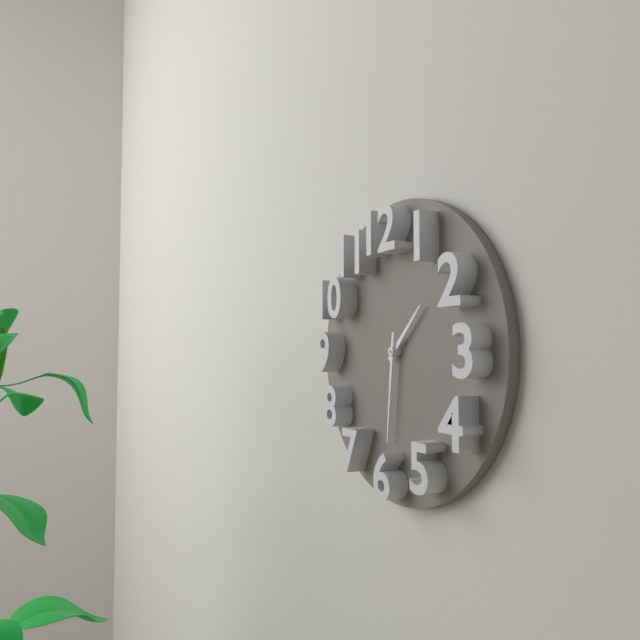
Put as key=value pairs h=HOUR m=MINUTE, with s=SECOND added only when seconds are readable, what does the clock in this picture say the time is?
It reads h=1 m=31
